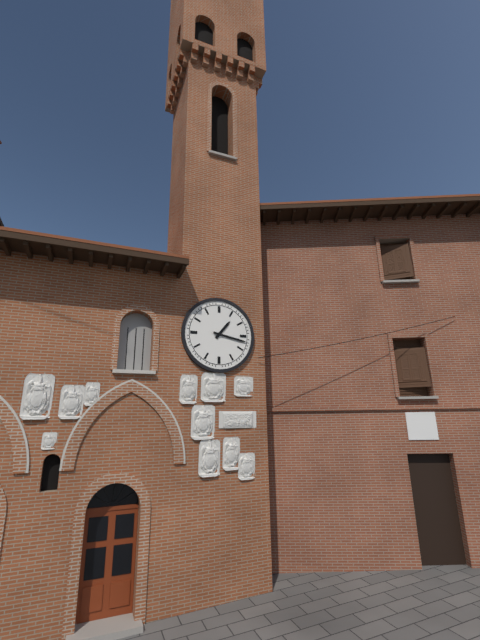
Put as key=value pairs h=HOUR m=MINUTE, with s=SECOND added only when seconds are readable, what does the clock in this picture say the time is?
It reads h=1 m=17
